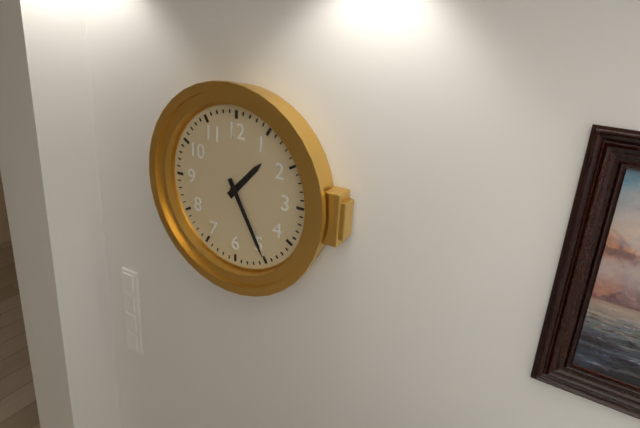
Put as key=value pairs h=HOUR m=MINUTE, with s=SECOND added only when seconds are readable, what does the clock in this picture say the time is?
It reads h=1 m=25
